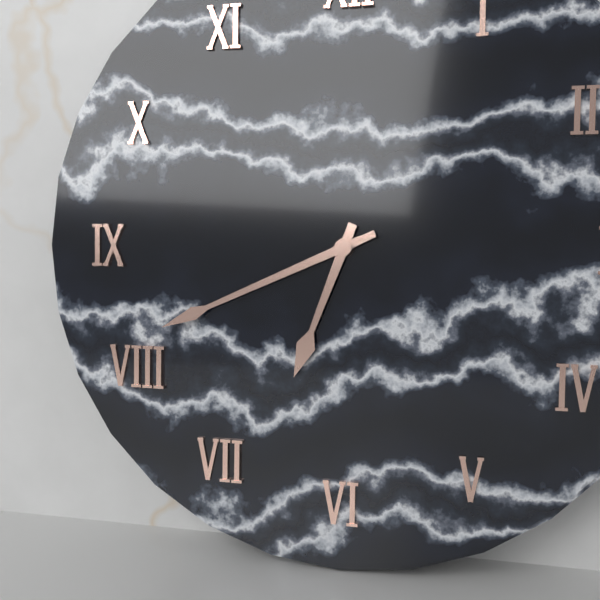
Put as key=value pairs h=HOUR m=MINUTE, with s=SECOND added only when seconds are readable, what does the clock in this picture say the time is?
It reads h=6 m=41
